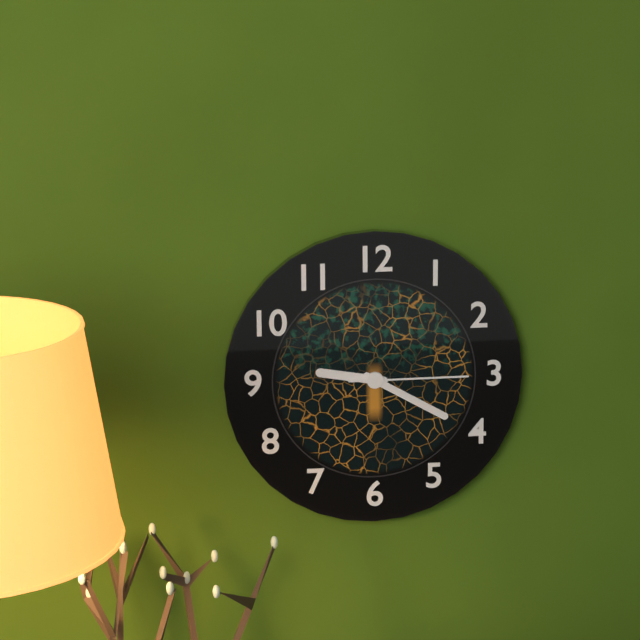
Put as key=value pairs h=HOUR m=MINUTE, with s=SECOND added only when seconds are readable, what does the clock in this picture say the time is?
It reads h=9 m=20 s=15
